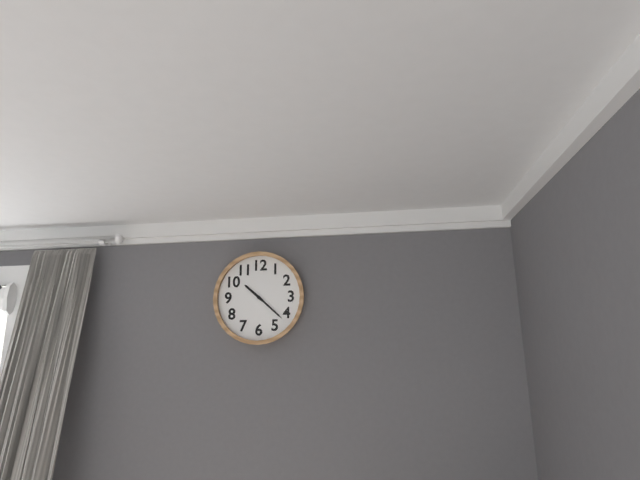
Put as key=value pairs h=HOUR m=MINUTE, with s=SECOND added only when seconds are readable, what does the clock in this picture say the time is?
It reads h=10 m=22
